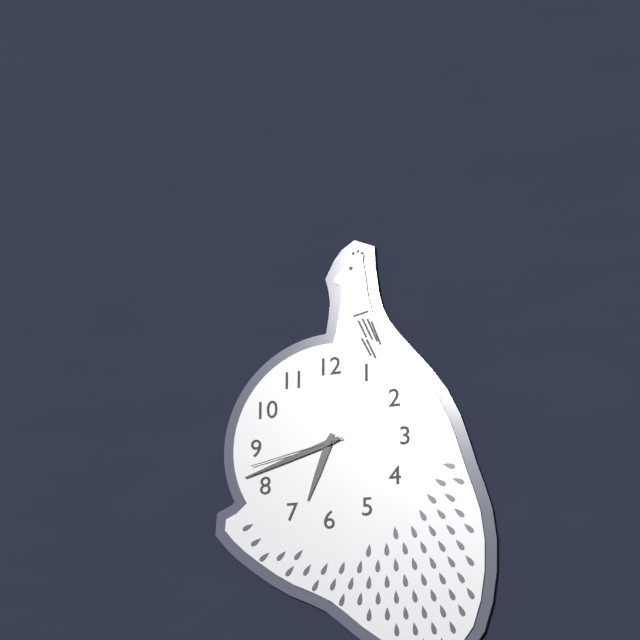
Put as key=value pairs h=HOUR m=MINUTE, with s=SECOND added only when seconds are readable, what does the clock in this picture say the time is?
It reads h=6 m=42 s=43
